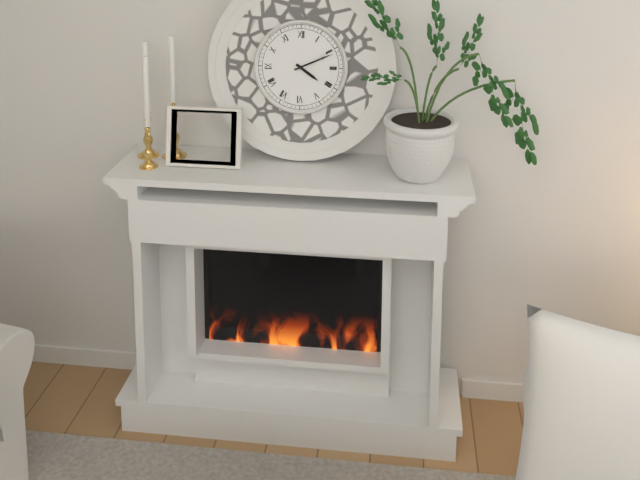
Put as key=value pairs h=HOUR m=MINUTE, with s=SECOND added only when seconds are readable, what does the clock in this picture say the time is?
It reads h=4 m=11
